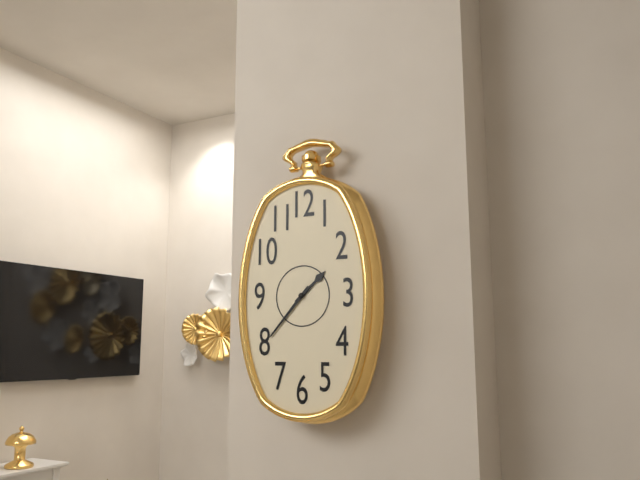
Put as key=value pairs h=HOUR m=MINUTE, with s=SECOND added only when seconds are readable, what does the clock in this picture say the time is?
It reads h=1 m=37
